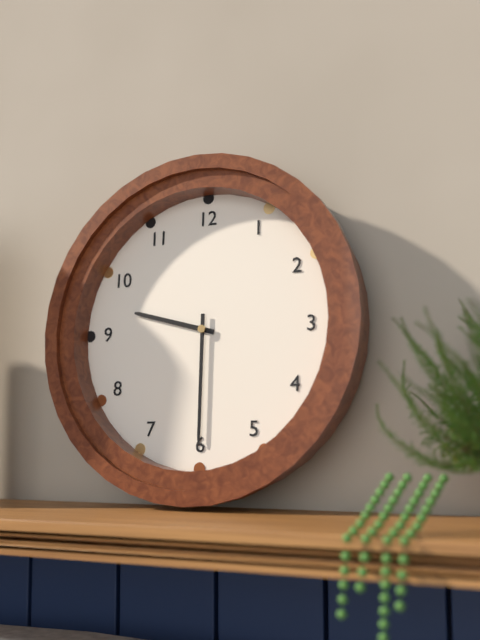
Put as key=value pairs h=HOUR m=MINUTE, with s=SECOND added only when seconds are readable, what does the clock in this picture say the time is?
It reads h=9 m=30
